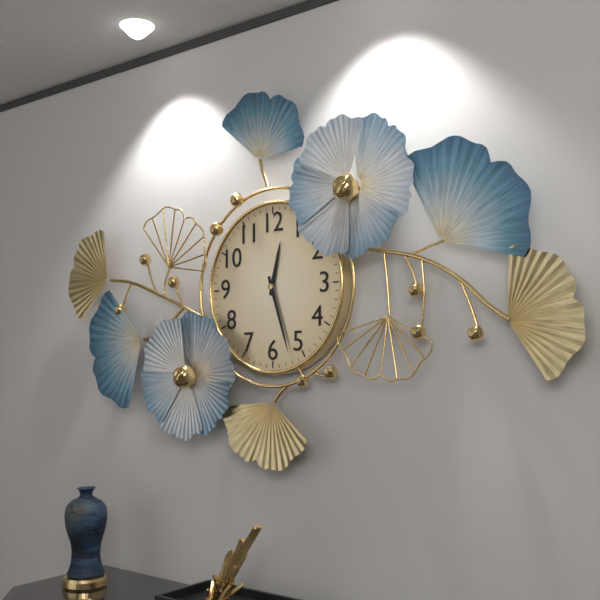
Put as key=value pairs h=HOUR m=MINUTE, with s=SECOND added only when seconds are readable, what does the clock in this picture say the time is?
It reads h=12 m=27
